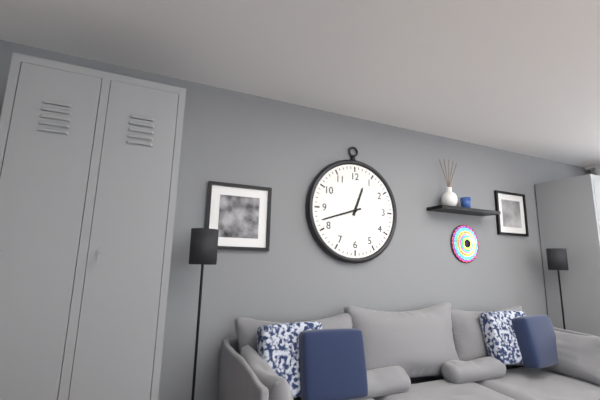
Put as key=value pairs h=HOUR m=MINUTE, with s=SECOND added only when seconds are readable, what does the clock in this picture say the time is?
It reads h=12 m=42
